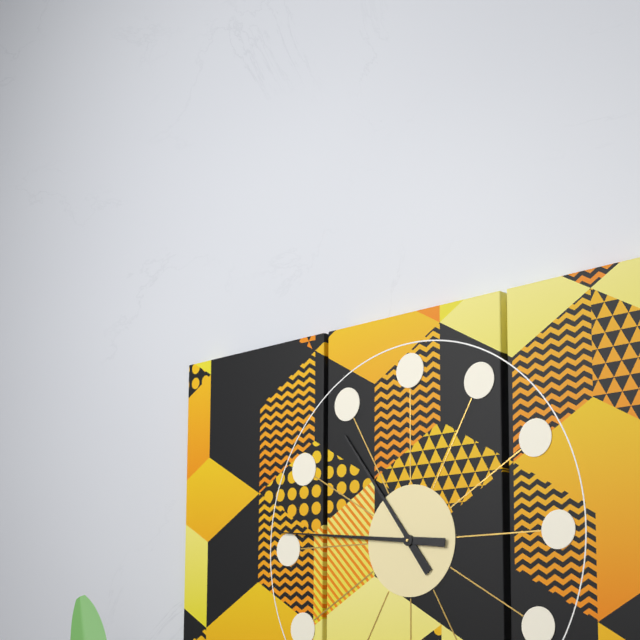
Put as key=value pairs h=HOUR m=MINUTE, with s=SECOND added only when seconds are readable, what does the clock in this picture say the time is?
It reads h=10 m=46
